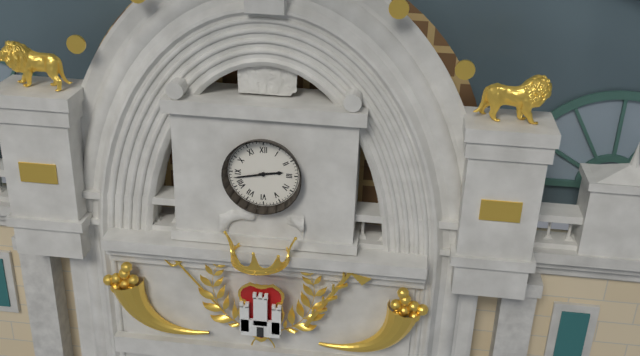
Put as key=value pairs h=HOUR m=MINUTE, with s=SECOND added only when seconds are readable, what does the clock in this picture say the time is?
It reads h=2 m=43
